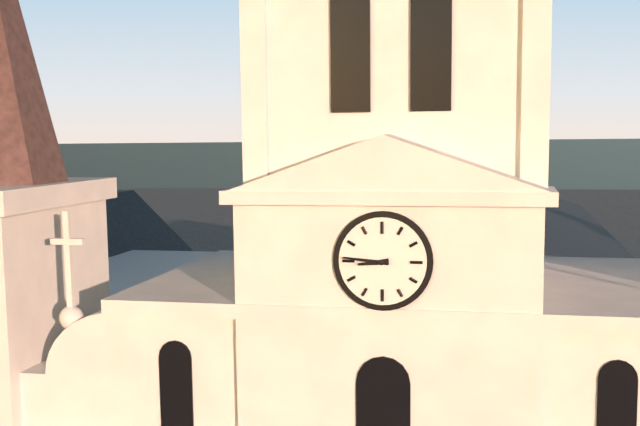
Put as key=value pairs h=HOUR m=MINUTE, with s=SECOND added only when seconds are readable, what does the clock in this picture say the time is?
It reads h=8 m=46
